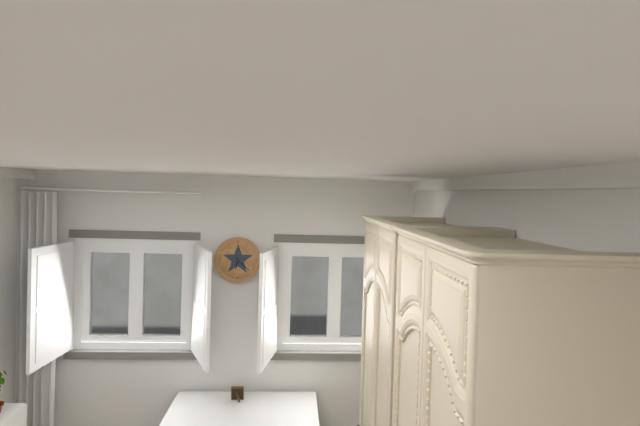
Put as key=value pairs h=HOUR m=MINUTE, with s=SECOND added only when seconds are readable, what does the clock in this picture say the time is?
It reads h=6 m=22
